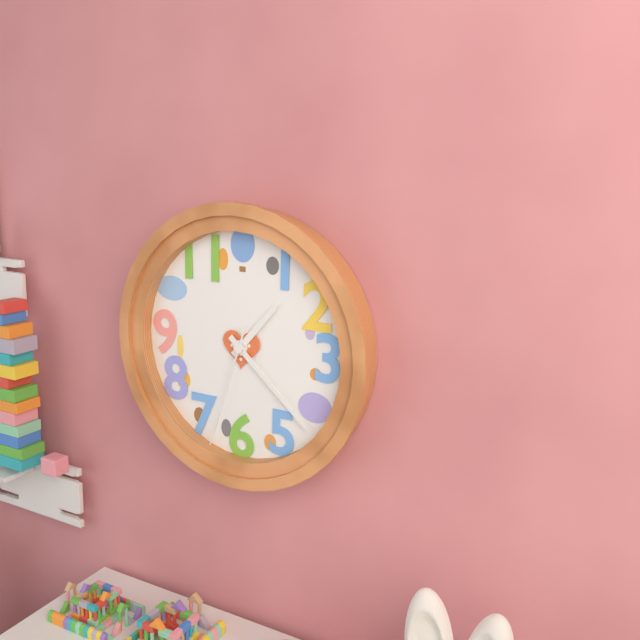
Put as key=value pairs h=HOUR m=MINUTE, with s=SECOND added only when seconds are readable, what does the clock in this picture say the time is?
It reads h=1 m=22 s=33
